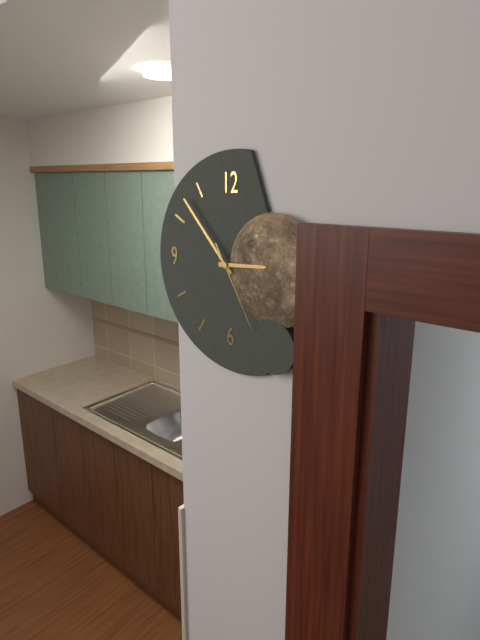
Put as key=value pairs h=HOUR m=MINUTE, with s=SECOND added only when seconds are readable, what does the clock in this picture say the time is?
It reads h=2 m=53 s=25
